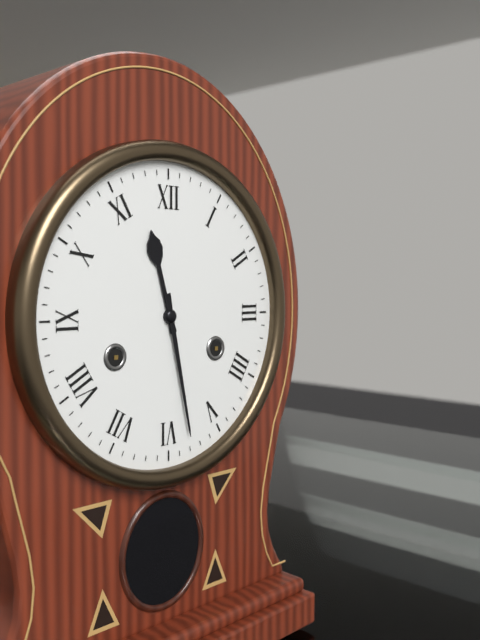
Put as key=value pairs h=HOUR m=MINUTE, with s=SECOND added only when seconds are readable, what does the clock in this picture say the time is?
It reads h=11 m=28
